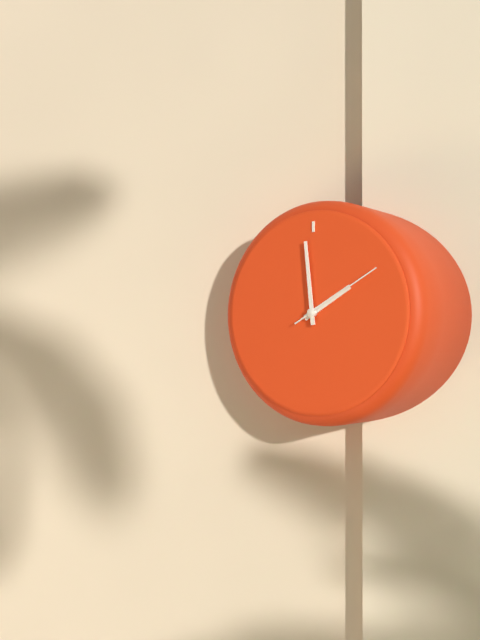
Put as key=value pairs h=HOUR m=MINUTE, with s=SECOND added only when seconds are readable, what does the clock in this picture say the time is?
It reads h=1 m=59 s=10
